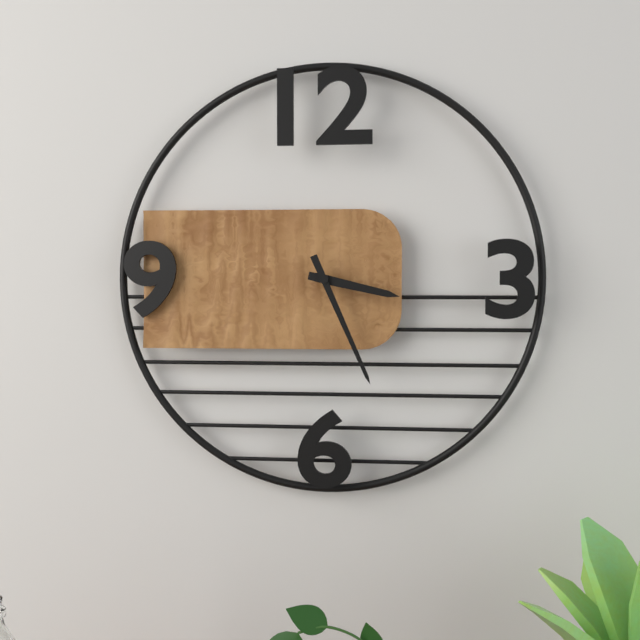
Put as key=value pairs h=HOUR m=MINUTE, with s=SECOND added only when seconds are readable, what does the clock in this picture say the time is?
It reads h=3 m=26
